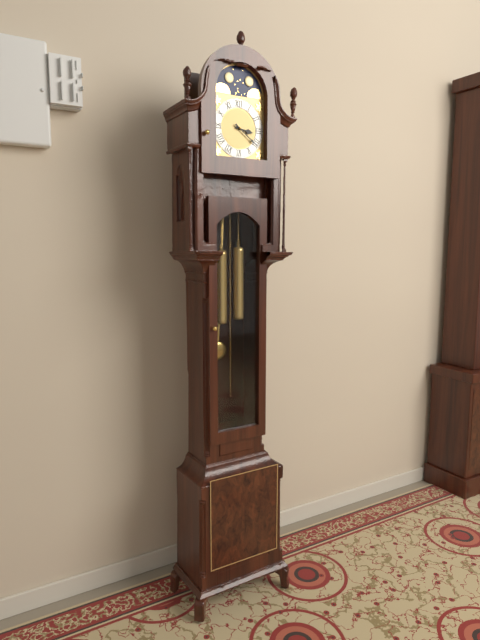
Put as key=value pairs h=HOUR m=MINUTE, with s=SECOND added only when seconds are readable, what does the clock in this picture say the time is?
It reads h=3 m=21
